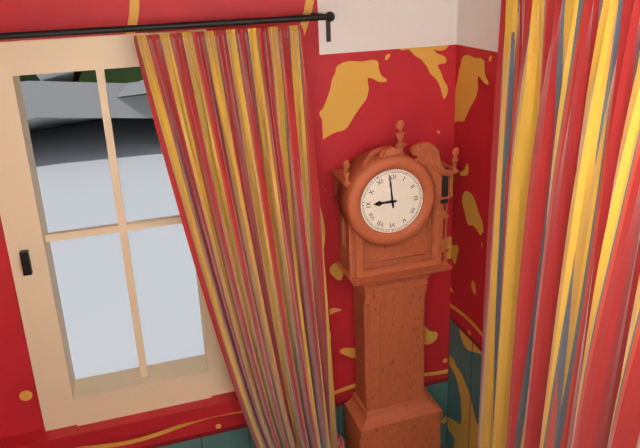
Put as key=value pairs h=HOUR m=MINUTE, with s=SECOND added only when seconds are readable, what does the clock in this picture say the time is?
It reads h=8 m=59
